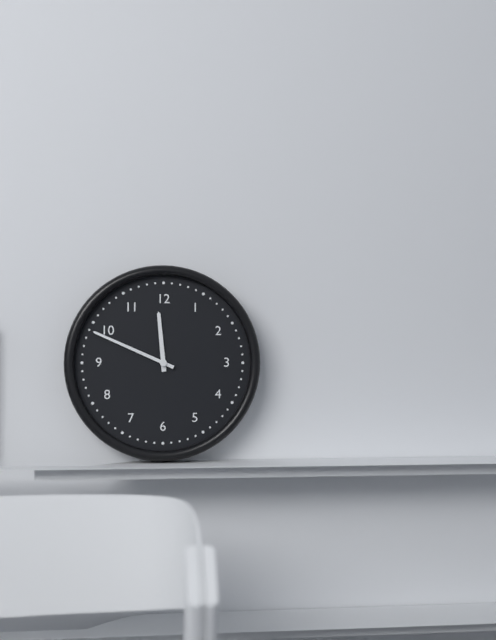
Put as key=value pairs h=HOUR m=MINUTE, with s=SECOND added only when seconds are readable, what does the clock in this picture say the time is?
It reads h=11 m=49
